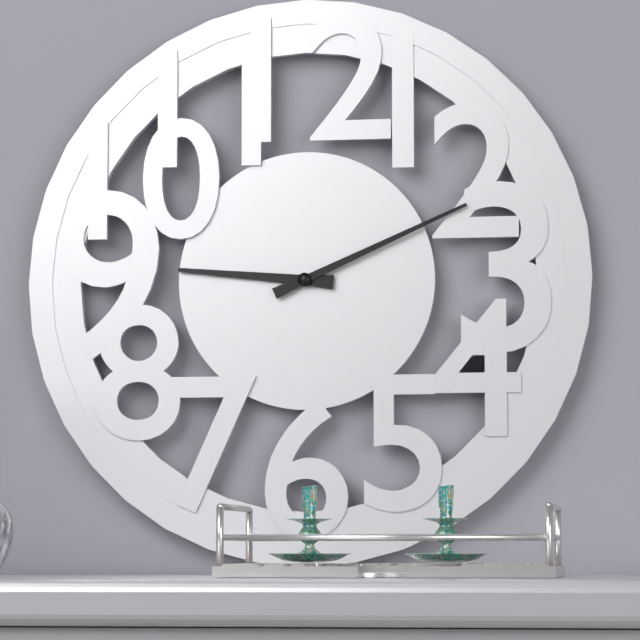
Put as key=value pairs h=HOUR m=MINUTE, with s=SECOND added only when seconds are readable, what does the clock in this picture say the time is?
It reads h=9 m=11
